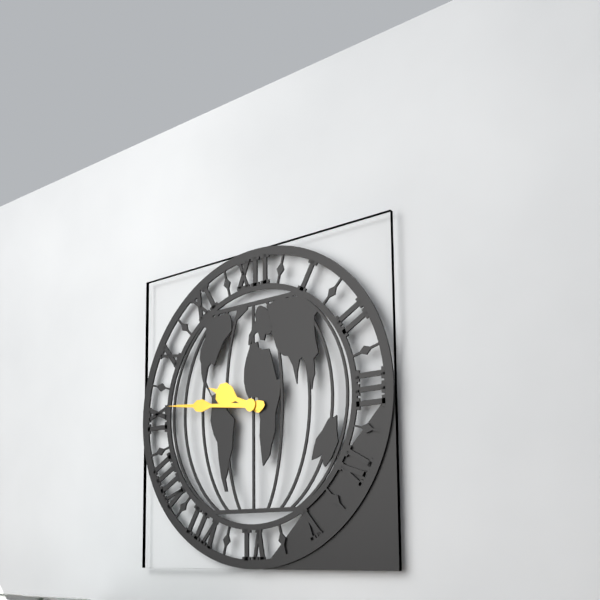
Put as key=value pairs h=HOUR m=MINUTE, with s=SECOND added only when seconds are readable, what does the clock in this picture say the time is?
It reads h=9 m=46
